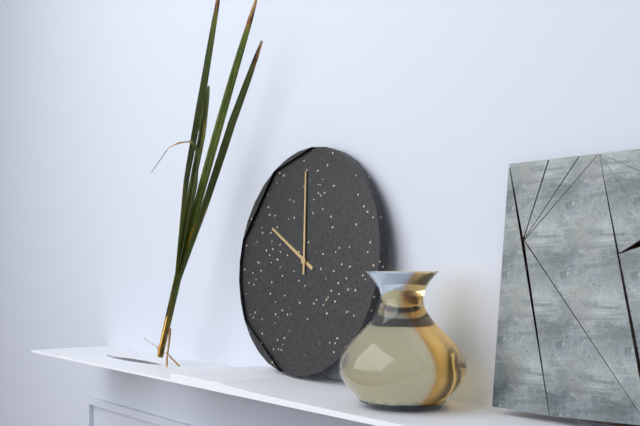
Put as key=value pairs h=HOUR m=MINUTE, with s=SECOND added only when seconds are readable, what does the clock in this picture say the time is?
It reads h=9 m=59
